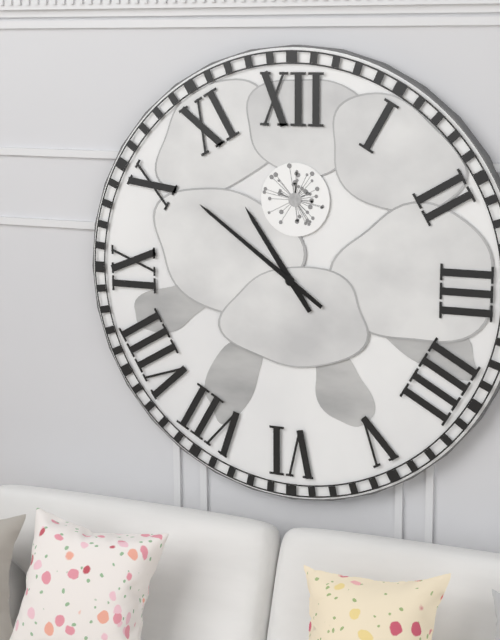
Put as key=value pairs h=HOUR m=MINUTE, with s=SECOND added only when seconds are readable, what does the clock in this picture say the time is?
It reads h=10 m=51
